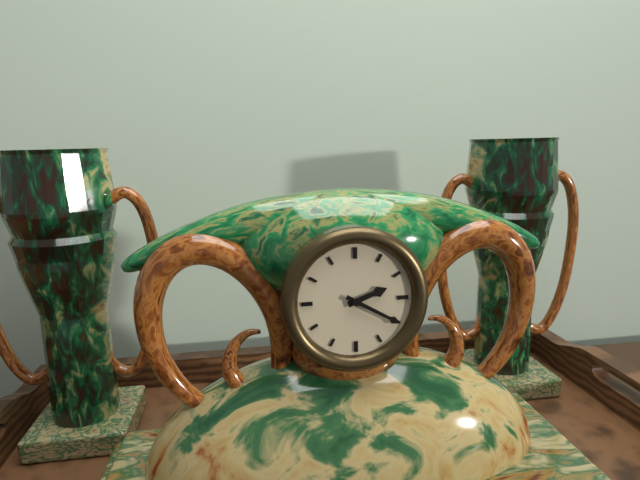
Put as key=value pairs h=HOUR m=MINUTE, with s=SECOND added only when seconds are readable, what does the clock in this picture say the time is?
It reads h=2 m=20
